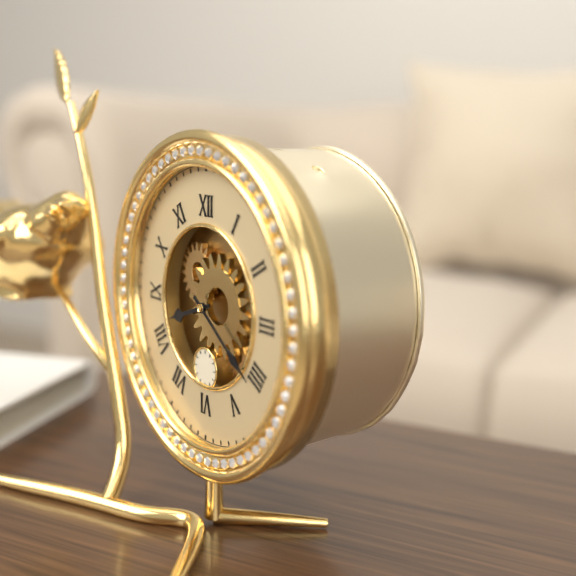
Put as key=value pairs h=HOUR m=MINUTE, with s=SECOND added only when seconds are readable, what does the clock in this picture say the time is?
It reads h=8 m=21
